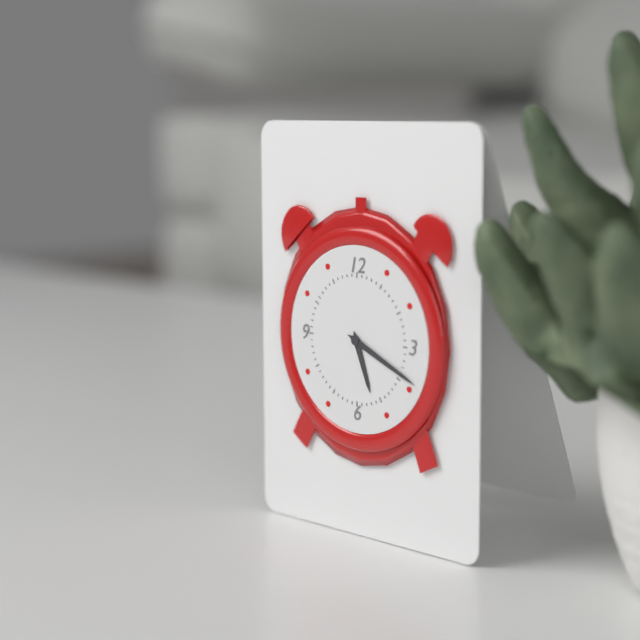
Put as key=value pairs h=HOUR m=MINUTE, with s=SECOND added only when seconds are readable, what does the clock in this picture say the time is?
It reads h=5 m=19
